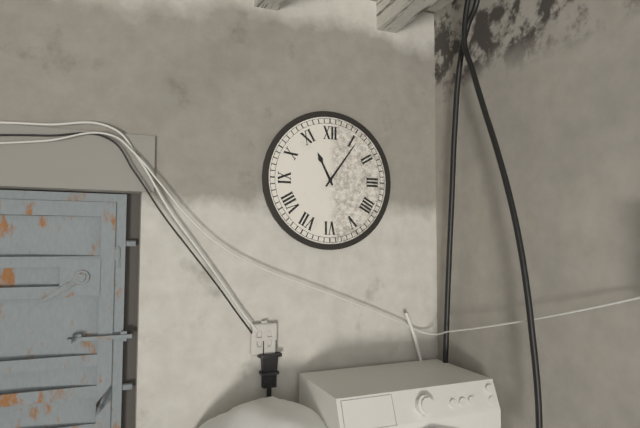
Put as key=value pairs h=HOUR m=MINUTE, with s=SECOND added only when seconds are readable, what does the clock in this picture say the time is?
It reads h=11 m=6
